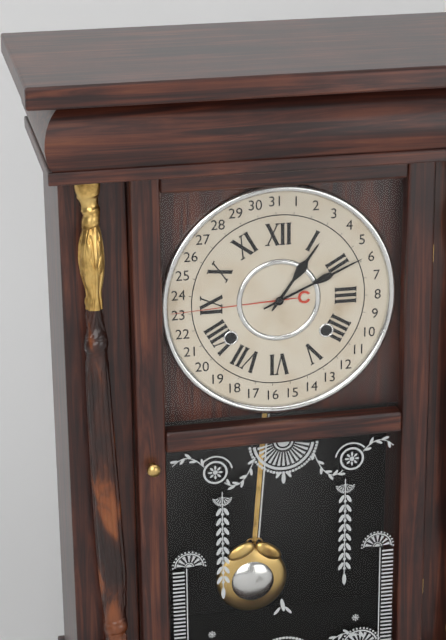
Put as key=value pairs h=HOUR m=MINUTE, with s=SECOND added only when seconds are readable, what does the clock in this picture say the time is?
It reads h=1 m=11
